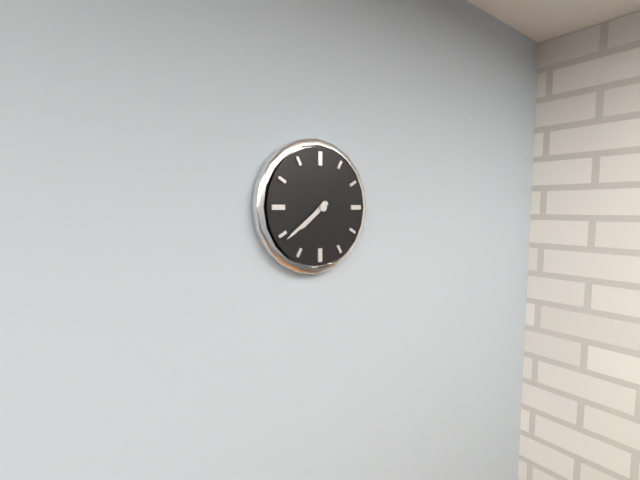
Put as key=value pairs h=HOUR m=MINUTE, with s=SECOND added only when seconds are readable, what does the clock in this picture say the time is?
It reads h=7 m=39
